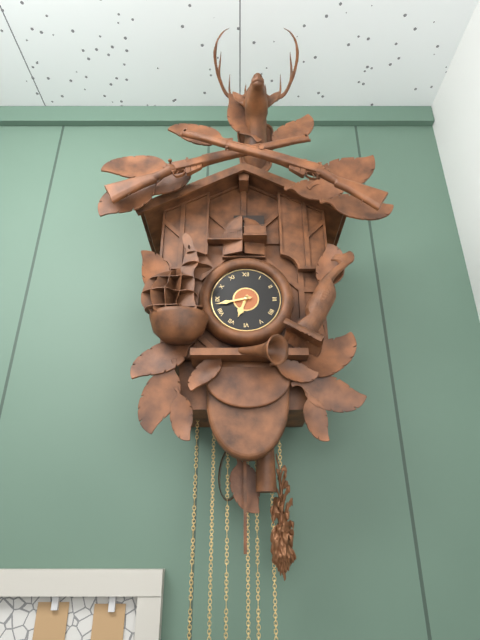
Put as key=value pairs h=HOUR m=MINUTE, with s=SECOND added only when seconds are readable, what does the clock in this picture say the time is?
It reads h=6 m=43
